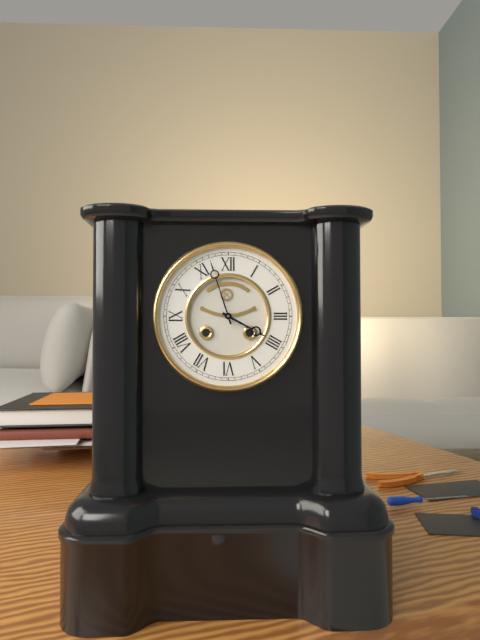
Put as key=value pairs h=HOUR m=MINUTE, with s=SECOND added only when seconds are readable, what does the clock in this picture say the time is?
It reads h=3 m=57
